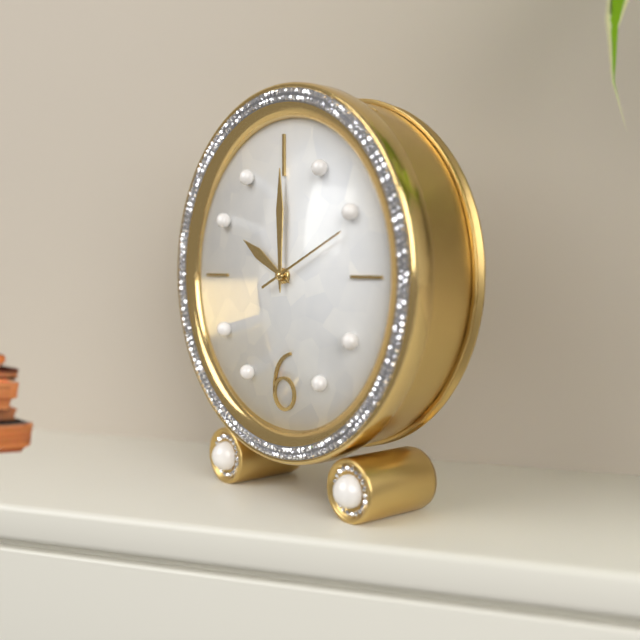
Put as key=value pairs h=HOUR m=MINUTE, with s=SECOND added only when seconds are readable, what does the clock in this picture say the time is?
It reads h=10 m=0 s=11
